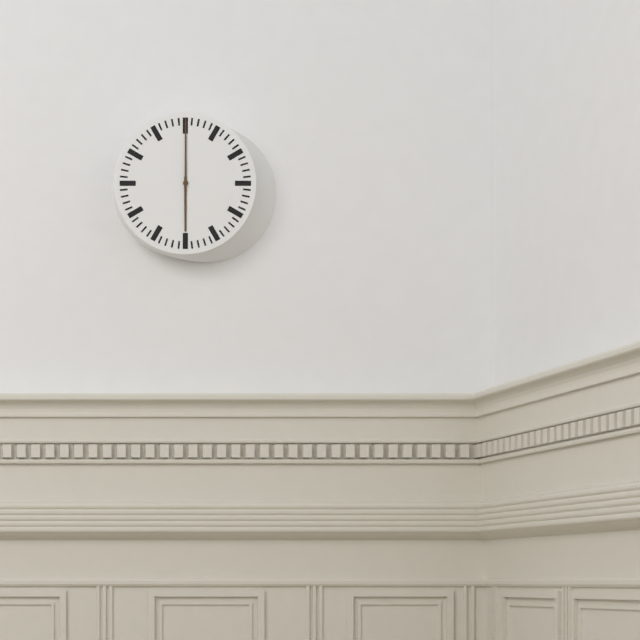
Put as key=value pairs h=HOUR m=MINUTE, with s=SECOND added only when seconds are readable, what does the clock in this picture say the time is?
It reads h=6 m=0
